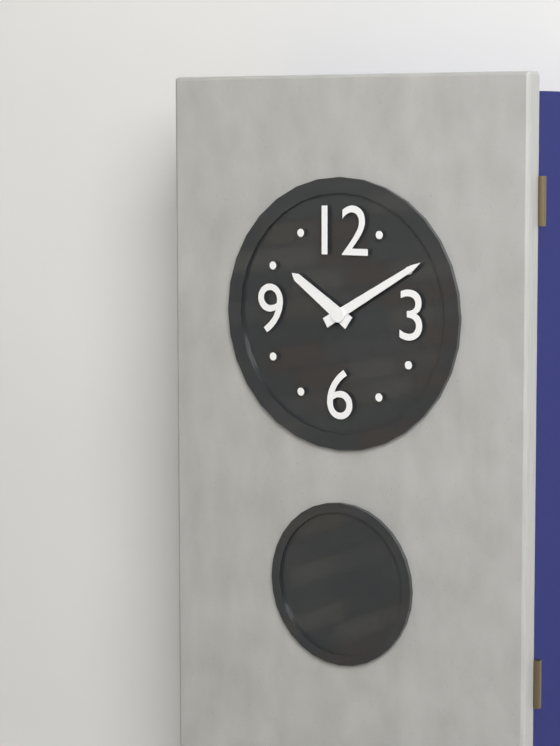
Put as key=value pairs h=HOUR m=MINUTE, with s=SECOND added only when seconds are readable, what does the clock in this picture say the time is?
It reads h=10 m=10
